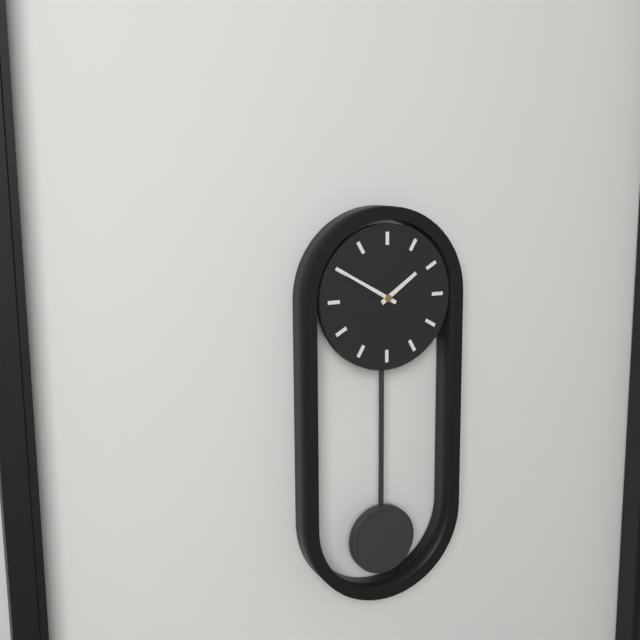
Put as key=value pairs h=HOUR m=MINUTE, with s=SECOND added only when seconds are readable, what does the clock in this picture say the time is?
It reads h=1 m=50
